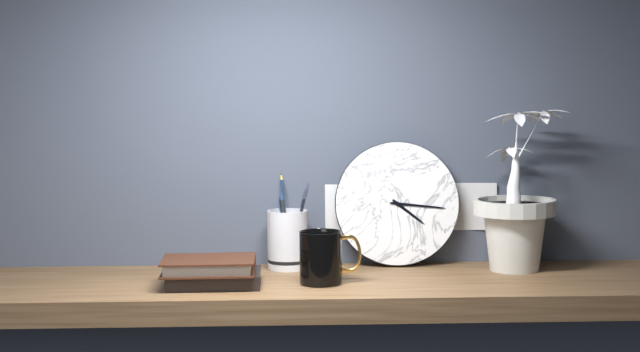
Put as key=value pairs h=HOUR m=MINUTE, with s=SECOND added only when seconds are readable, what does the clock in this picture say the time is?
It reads h=4 m=16
